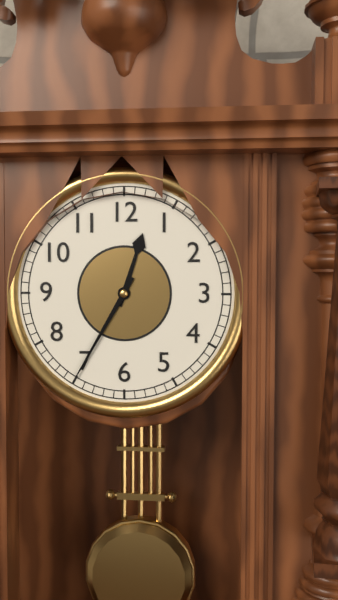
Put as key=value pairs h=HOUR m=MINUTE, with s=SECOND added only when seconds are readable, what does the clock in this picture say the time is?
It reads h=12 m=35
